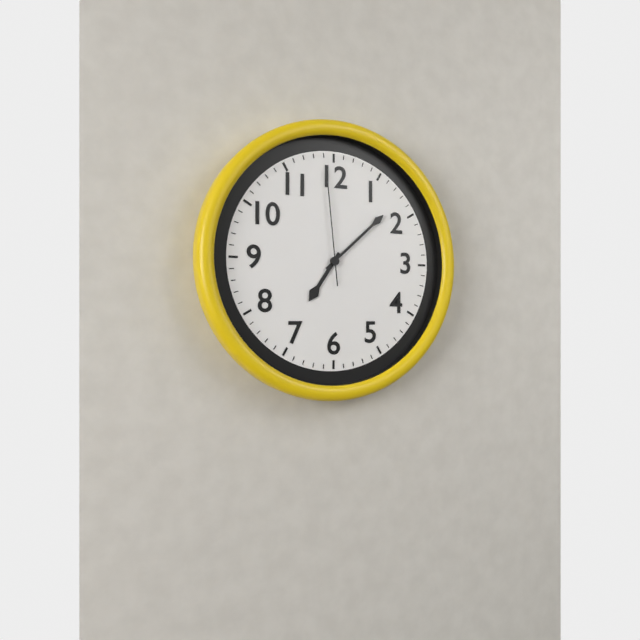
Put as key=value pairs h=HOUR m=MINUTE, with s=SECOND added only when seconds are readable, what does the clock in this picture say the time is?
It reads h=7 m=8 s=59
